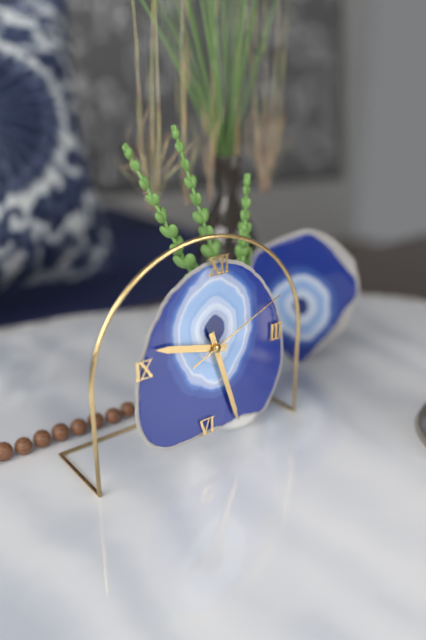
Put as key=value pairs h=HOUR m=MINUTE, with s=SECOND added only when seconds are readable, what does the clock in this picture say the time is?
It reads h=9 m=27 s=11
